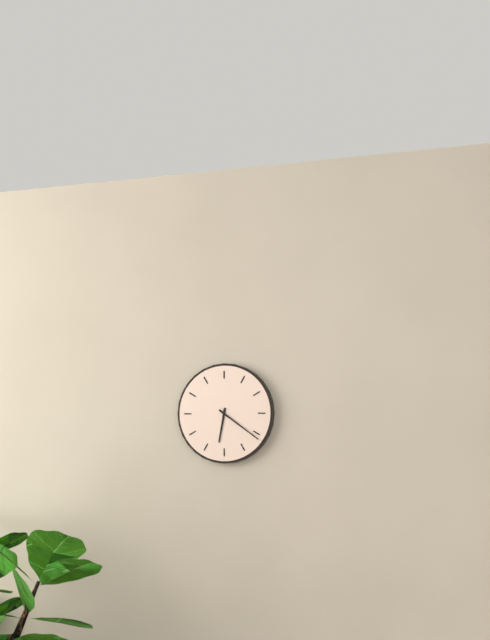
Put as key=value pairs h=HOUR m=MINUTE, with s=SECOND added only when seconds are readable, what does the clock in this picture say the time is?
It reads h=6 m=21
